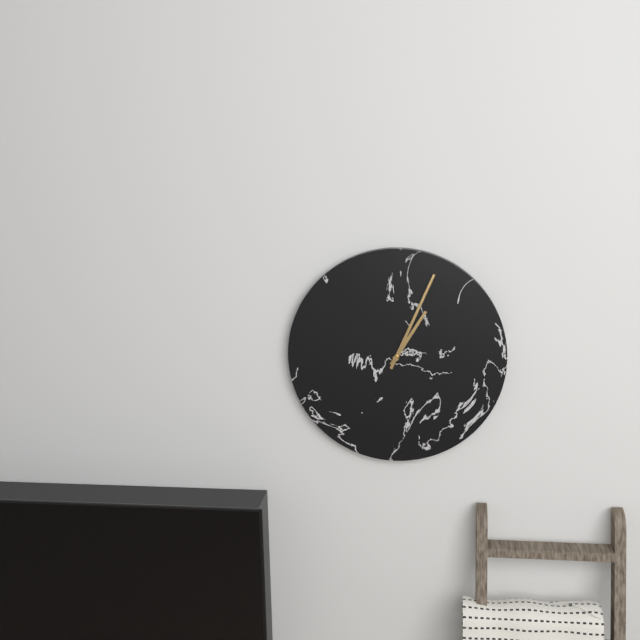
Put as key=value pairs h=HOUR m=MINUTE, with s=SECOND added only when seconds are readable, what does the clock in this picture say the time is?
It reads h=1 m=4
